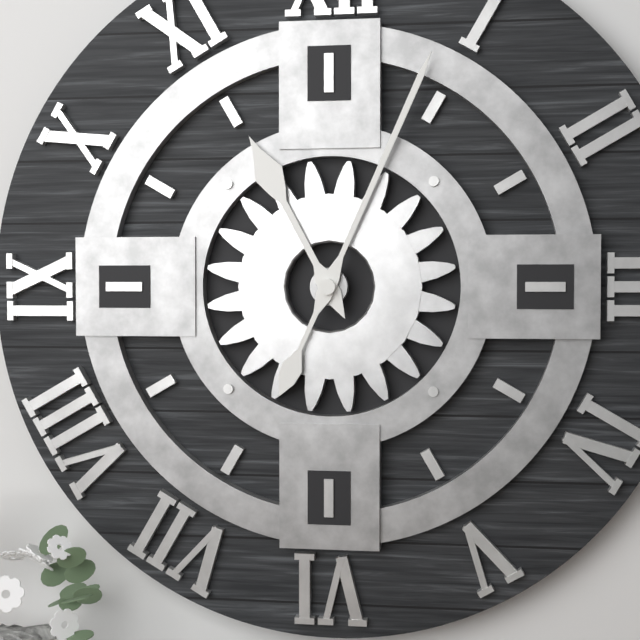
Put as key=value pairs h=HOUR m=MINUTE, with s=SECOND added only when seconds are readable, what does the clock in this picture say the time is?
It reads h=11 m=4
